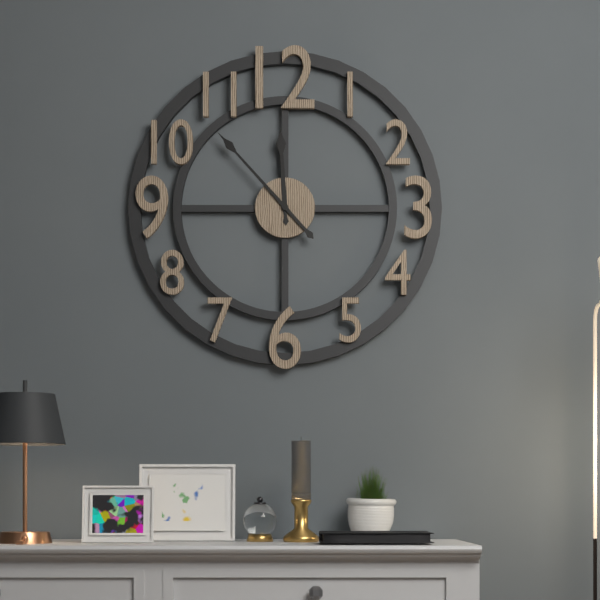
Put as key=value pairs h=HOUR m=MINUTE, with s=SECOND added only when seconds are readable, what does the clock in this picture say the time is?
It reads h=11 m=53
